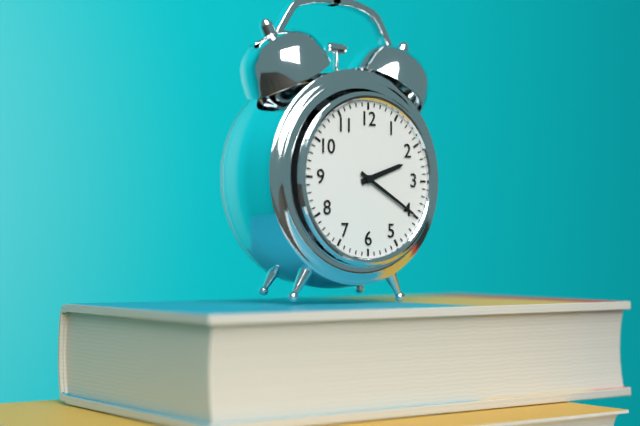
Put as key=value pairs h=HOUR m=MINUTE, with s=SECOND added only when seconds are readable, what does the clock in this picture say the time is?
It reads h=2 m=20
